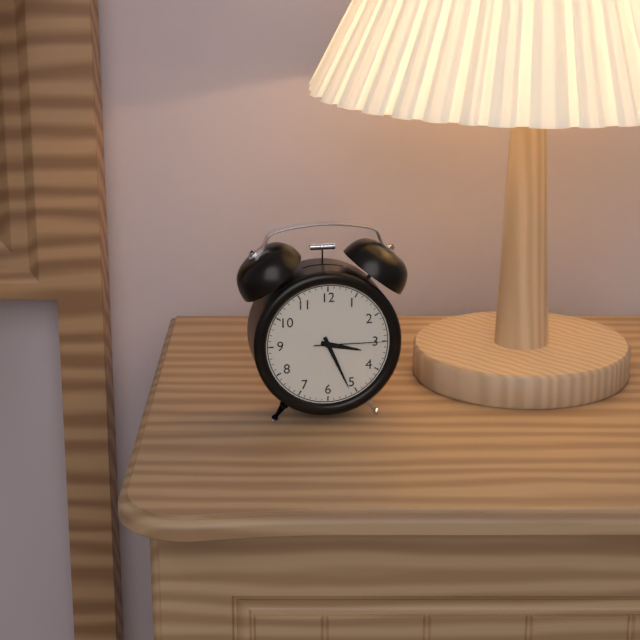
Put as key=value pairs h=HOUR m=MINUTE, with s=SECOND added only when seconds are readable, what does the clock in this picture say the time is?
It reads h=3 m=26 s=15
